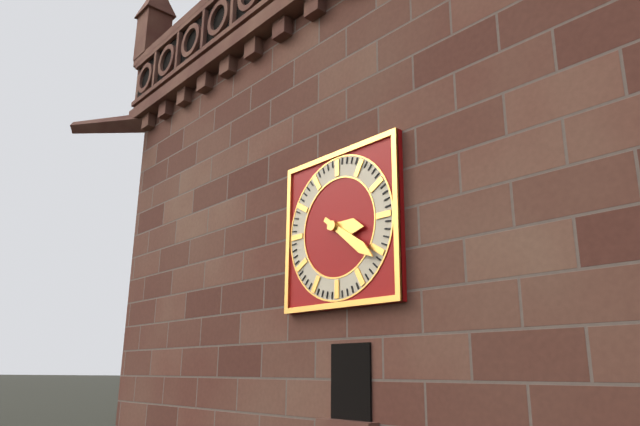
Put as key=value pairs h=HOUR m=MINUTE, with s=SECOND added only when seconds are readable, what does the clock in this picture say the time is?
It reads h=3 m=21
